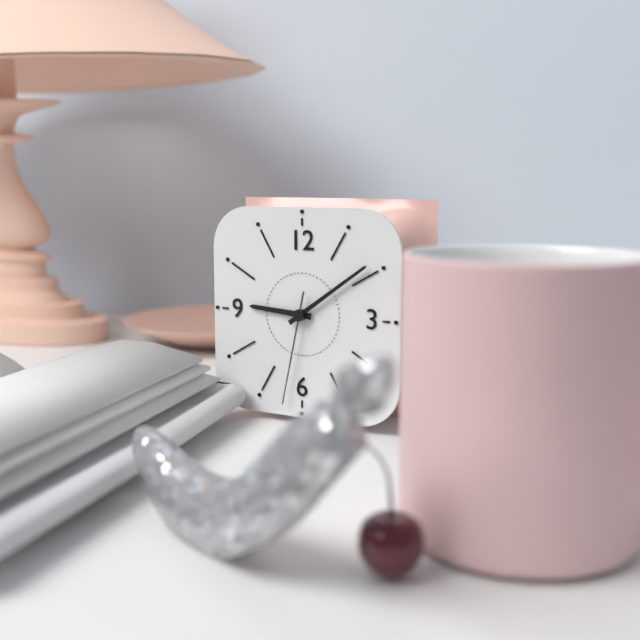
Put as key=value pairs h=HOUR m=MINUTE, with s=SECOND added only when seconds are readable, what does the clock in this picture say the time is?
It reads h=9 m=9 s=32
